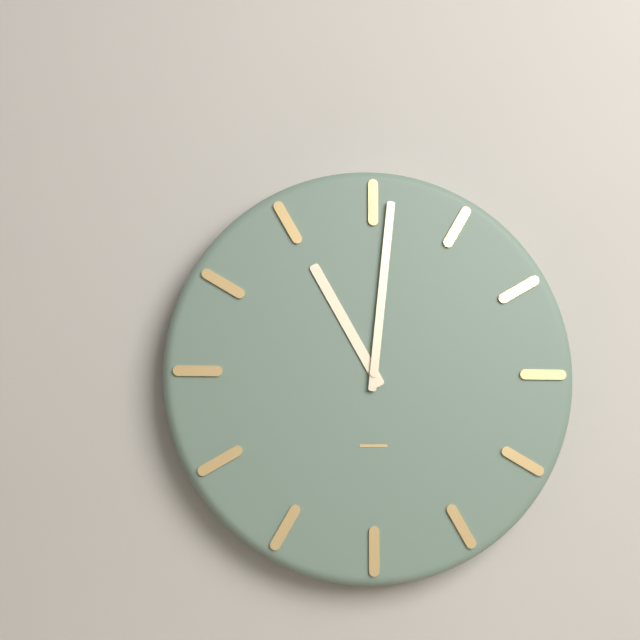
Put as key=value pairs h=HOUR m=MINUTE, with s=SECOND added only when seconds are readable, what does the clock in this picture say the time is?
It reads h=11 m=1
